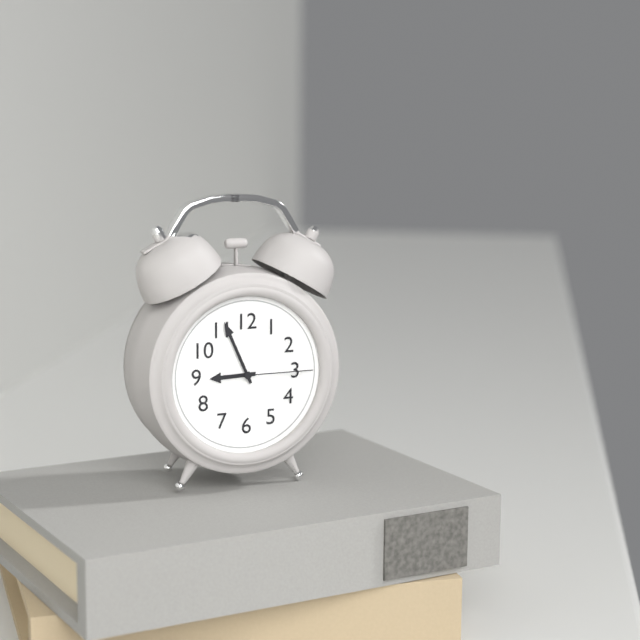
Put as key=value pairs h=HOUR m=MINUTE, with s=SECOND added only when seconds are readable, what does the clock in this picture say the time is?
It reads h=8 m=56 s=15
